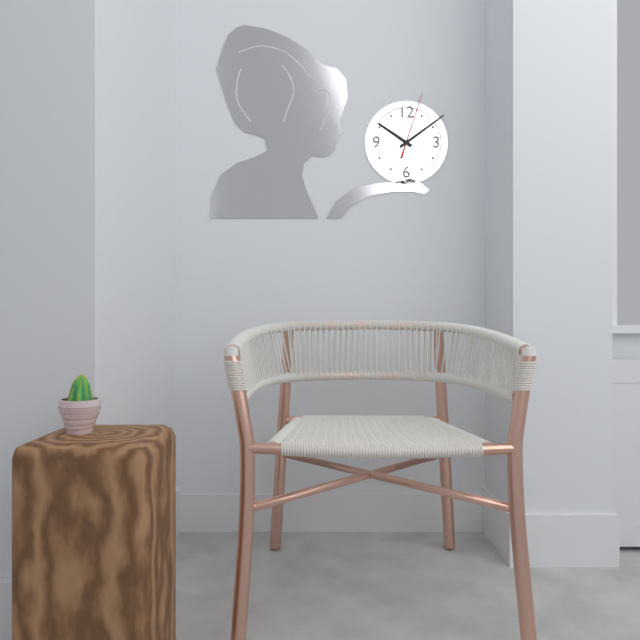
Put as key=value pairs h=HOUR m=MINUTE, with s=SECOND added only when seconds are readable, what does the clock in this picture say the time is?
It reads h=10 m=9 s=3
